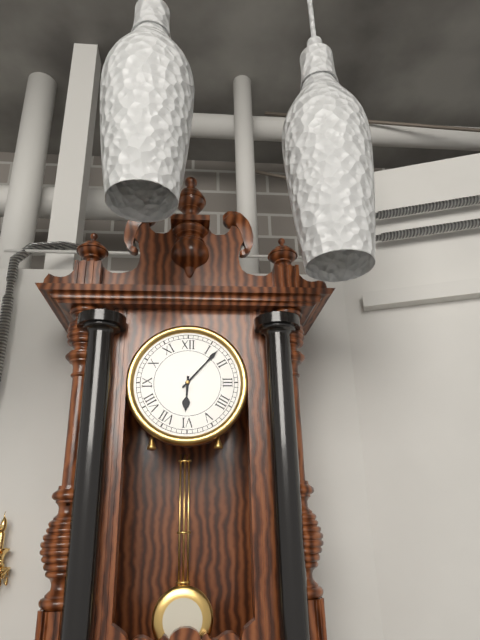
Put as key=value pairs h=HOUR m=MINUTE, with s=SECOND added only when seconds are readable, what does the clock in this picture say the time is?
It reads h=6 m=7
